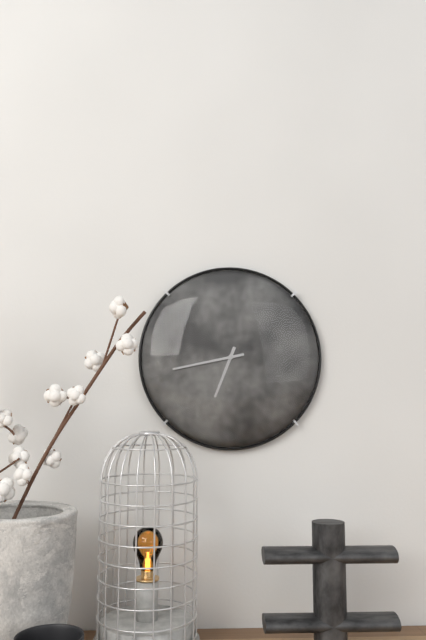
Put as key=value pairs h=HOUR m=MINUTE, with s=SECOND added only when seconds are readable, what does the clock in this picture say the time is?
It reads h=6 m=43
